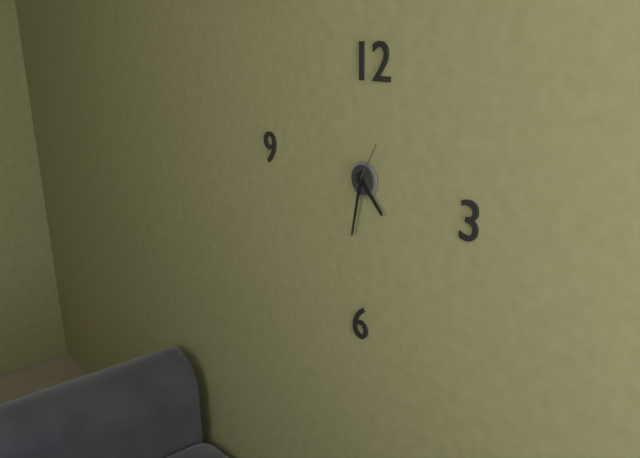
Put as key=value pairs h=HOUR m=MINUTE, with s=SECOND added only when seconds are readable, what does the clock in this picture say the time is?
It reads h=4 m=32
